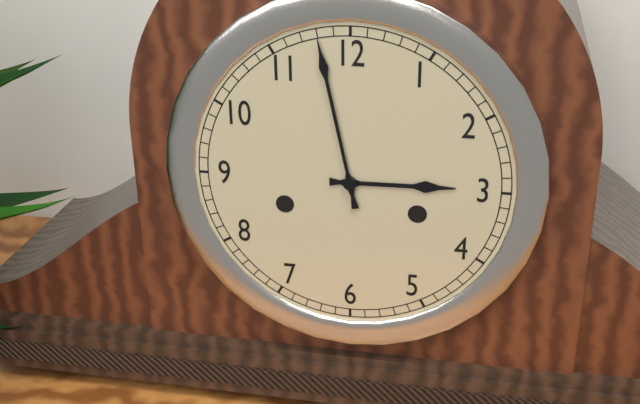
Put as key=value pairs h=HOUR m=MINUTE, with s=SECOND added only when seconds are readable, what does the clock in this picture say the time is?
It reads h=2 m=58
